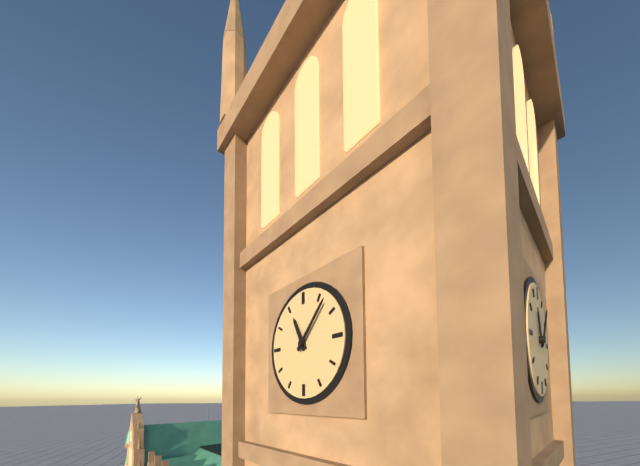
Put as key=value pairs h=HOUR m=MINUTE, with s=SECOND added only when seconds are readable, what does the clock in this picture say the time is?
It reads h=11 m=7
